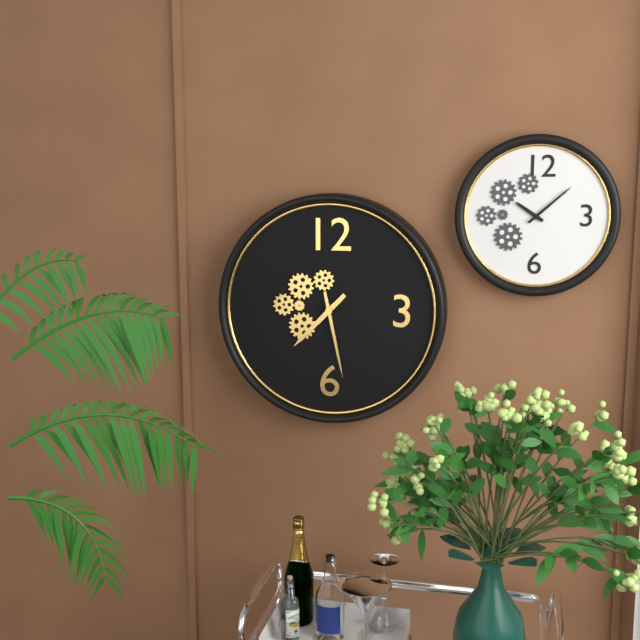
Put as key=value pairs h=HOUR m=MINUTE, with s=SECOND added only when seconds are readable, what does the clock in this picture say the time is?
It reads h=7 m=28
